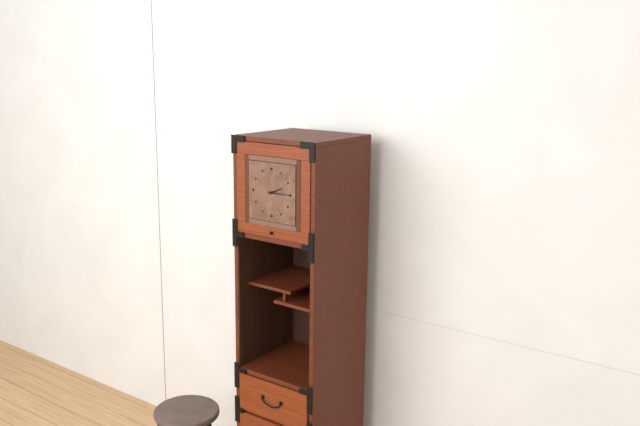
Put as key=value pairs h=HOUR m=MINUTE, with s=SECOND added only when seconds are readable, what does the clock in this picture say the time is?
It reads h=2 m=15
